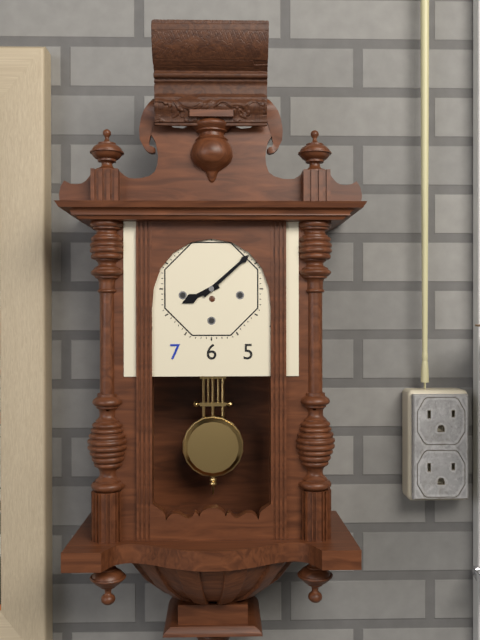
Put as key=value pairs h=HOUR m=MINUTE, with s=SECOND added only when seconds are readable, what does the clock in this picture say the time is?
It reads h=8 m=8
